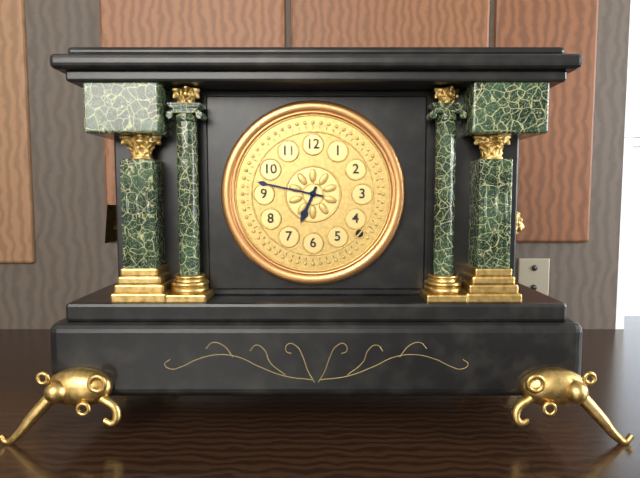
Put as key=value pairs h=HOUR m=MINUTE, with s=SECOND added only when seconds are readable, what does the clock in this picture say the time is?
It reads h=6 m=47
